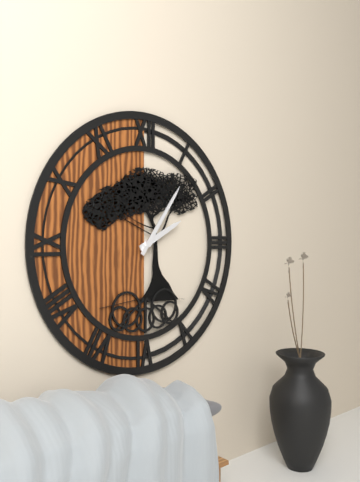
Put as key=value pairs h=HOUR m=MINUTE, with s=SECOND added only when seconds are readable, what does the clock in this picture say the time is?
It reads h=2 m=6
